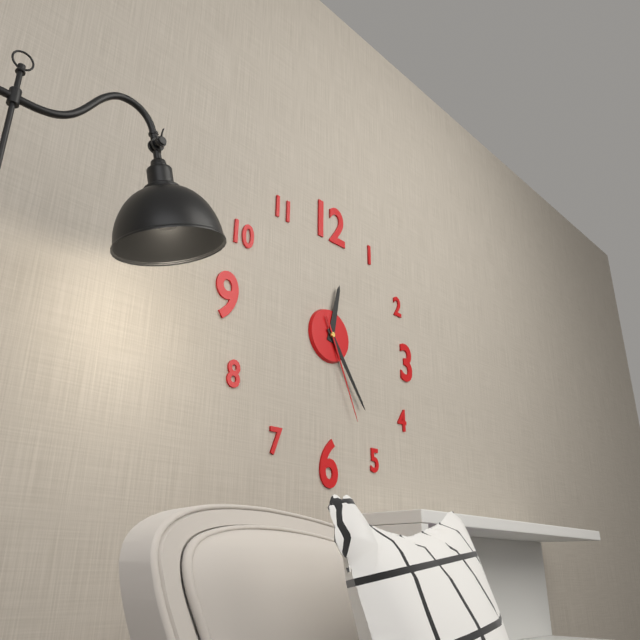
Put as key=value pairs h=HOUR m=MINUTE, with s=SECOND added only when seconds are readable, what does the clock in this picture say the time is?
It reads h=12 m=24 s=26
